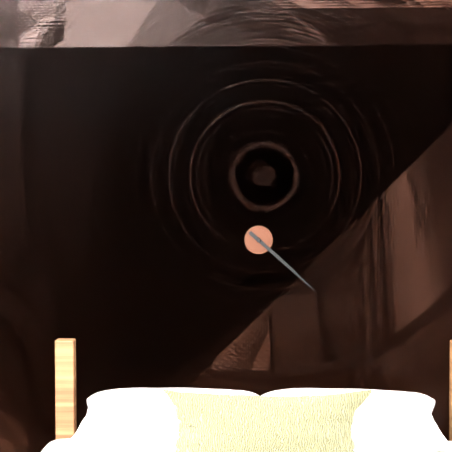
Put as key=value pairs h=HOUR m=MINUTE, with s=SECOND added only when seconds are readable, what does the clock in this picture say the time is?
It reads h=4 m=22
